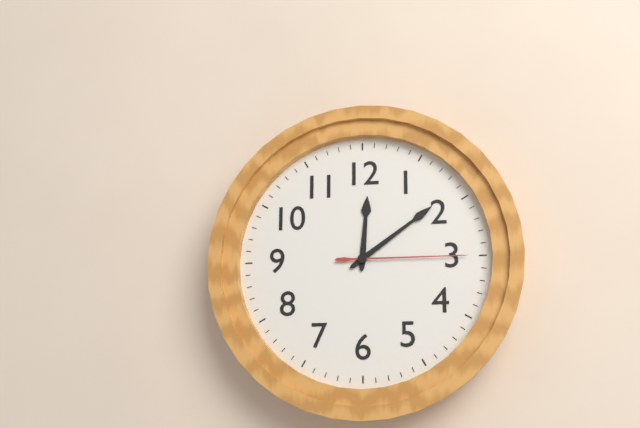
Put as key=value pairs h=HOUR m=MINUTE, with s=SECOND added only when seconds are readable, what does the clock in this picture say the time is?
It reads h=12 m=9 s=15
